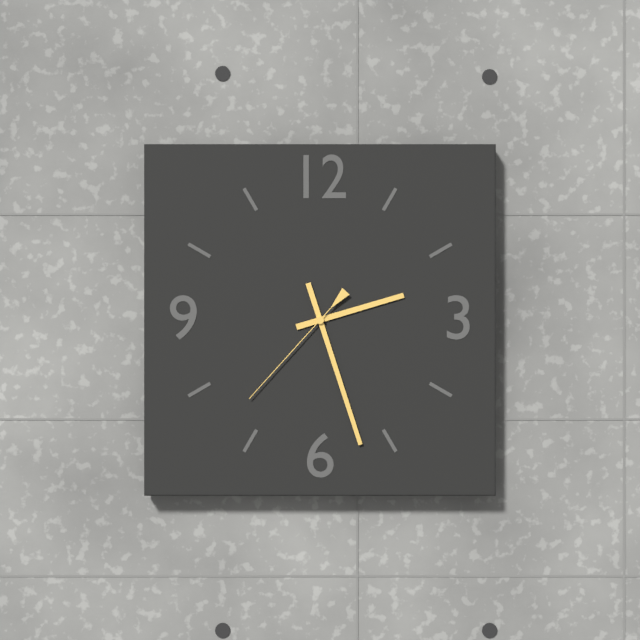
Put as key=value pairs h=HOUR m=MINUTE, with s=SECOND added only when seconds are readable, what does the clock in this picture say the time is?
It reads h=2 m=27 s=37
